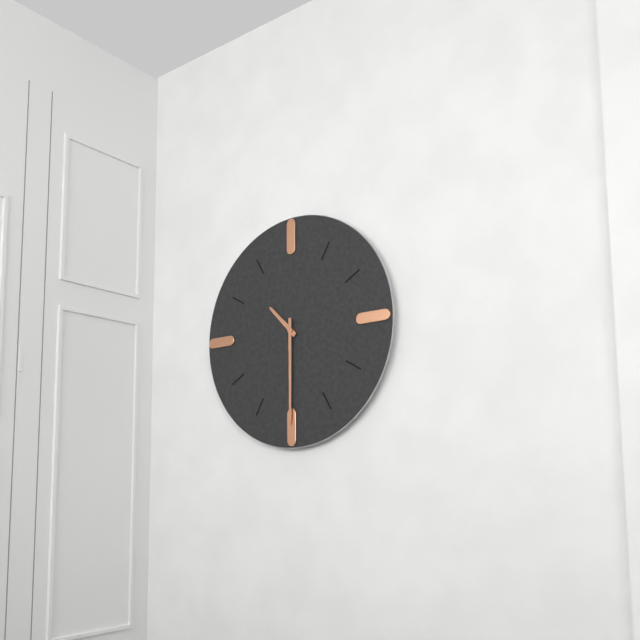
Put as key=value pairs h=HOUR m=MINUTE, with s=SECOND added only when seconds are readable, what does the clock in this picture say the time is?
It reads h=10 m=30
